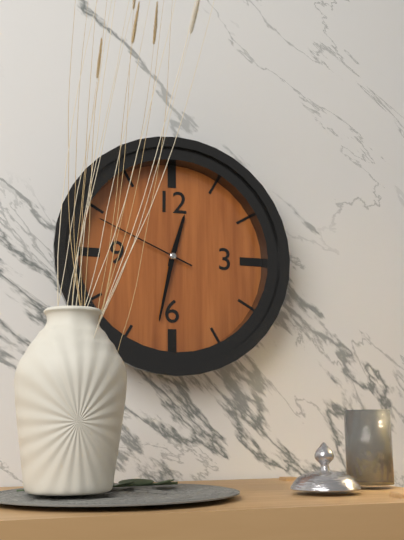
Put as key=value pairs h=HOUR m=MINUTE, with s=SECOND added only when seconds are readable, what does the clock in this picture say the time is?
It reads h=12 m=32 s=49
